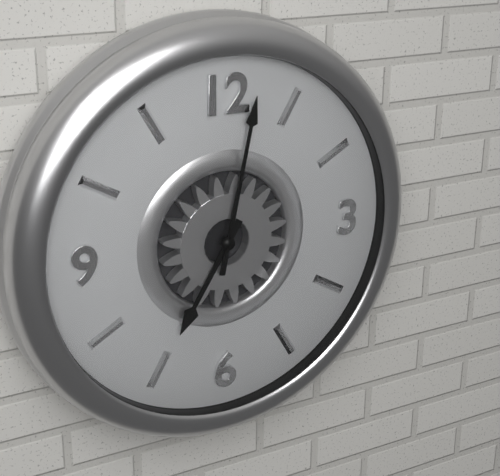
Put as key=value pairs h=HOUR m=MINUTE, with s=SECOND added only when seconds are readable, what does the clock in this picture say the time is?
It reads h=7 m=2
